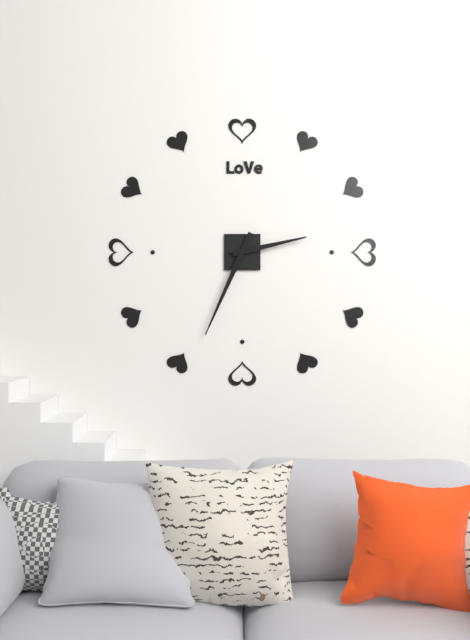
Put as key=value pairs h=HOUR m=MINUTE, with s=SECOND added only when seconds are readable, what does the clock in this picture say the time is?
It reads h=2 m=34
